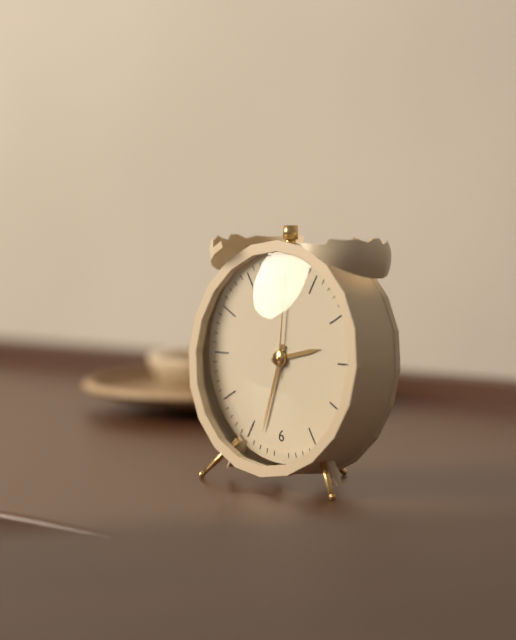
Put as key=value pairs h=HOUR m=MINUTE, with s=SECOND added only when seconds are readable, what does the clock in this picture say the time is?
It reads h=2 m=33 s=1
